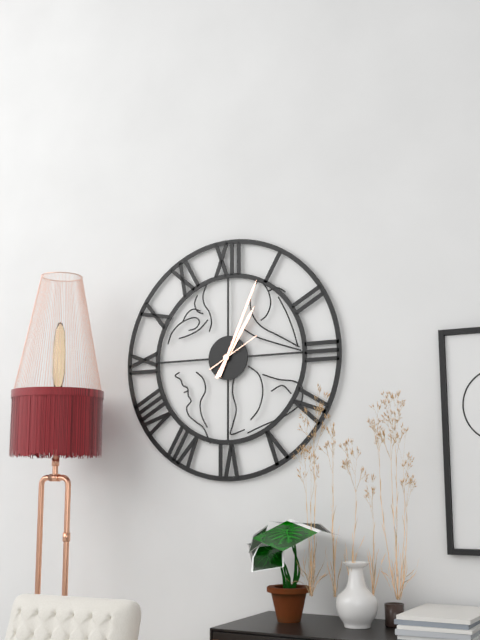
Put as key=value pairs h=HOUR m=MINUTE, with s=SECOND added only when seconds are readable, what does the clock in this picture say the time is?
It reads h=1 m=4
